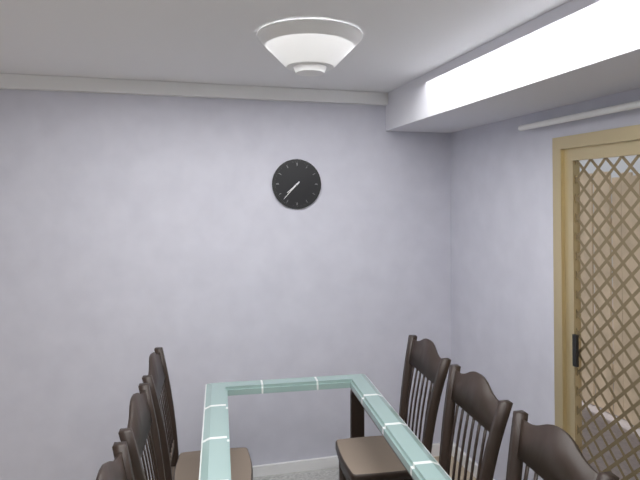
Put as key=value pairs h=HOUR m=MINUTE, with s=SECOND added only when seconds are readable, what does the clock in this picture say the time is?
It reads h=7 m=37
